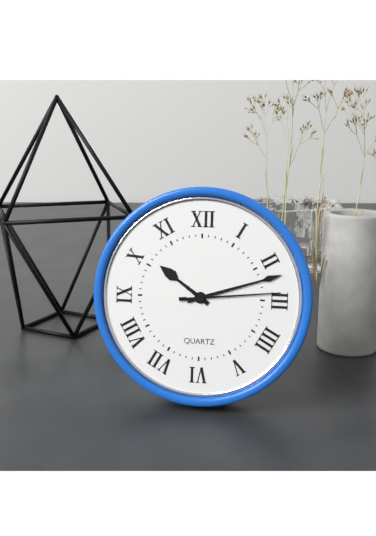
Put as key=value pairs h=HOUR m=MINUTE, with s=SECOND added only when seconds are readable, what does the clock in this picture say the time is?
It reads h=10 m=12 s=14
